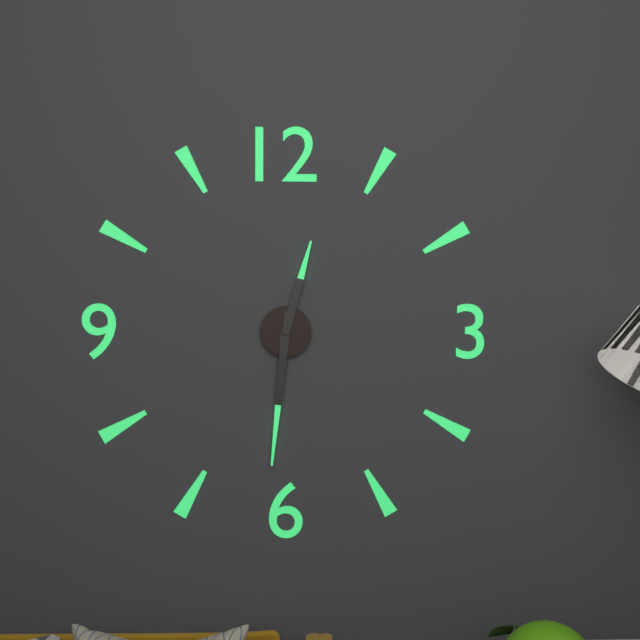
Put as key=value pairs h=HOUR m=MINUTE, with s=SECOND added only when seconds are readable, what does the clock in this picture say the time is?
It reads h=12 m=31
